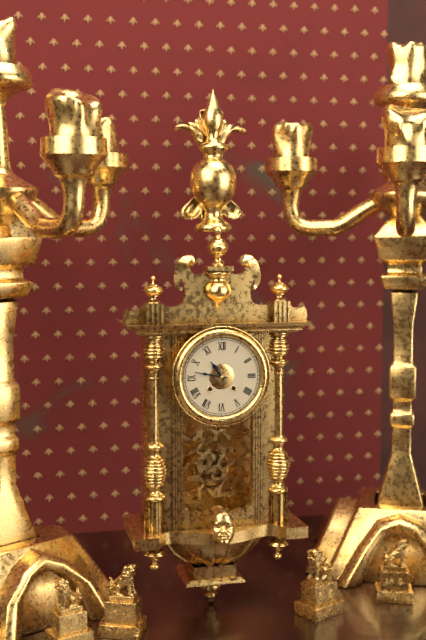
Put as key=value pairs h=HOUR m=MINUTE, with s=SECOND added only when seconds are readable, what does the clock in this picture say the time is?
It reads h=10 m=47
